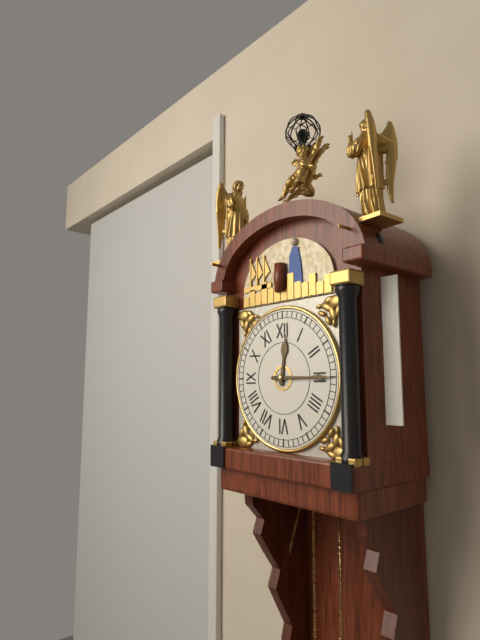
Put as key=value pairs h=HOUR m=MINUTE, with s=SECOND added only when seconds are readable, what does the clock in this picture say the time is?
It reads h=12 m=15
